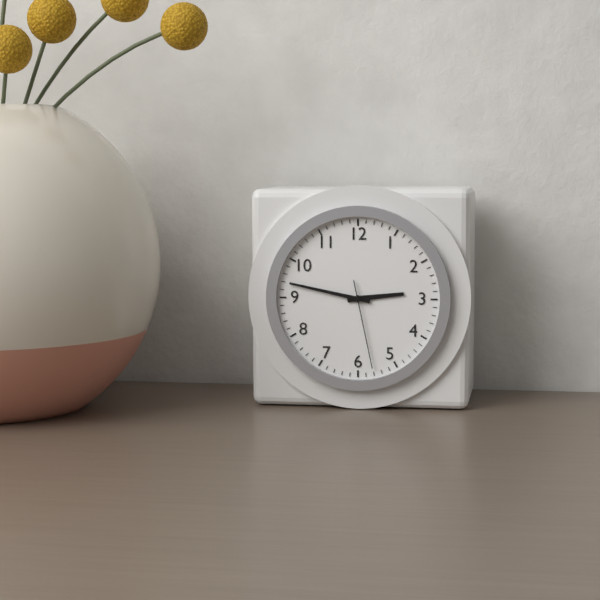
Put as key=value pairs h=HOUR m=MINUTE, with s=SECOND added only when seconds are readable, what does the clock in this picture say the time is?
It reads h=2 m=47 s=28
